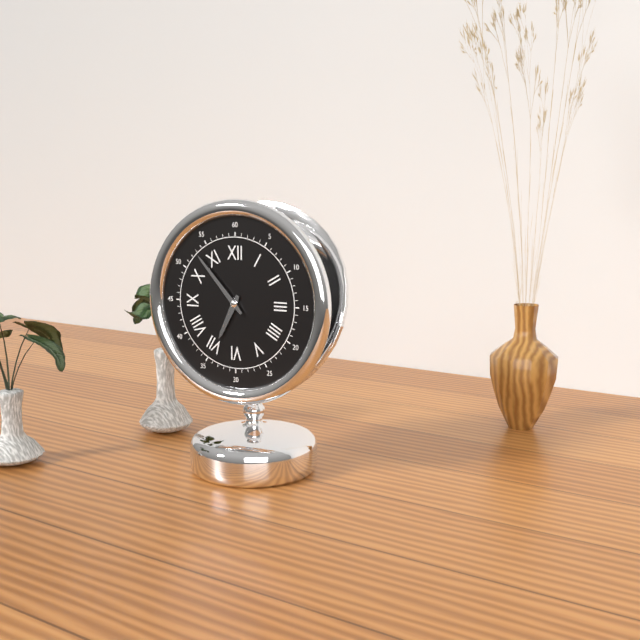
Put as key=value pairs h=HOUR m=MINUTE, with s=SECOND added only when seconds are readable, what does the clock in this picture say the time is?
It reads h=6 m=53
